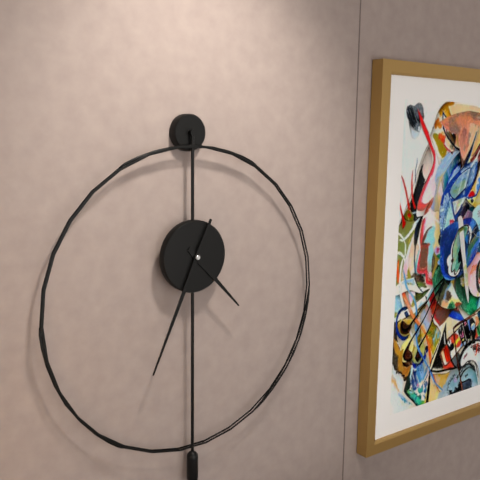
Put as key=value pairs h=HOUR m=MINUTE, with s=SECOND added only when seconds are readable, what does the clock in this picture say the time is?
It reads h=4 m=34
